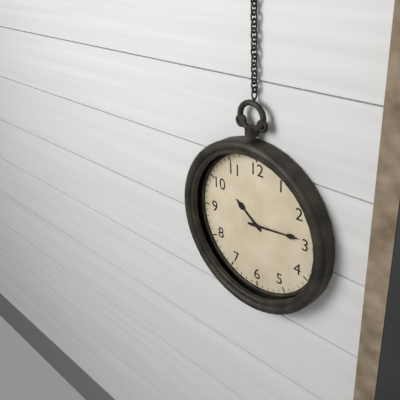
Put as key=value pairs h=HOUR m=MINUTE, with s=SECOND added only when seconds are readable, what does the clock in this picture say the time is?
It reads h=10 m=14
